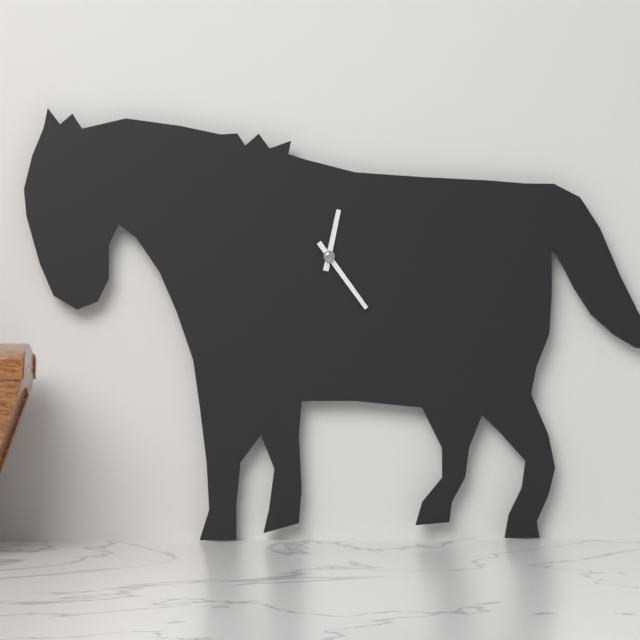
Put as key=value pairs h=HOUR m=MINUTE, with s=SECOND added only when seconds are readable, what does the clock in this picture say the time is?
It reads h=12 m=24
